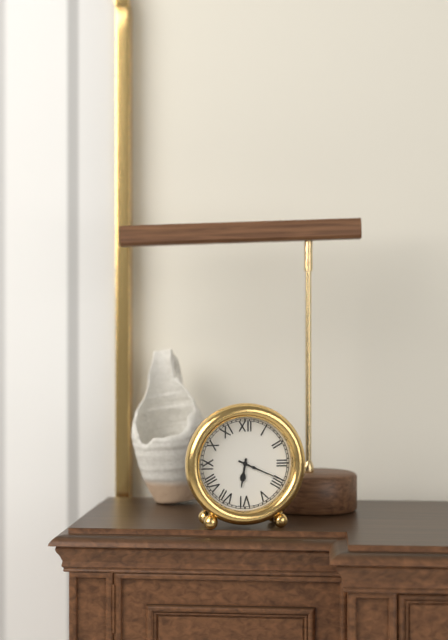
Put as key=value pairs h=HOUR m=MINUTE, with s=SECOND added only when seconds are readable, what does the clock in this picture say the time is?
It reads h=6 m=19
